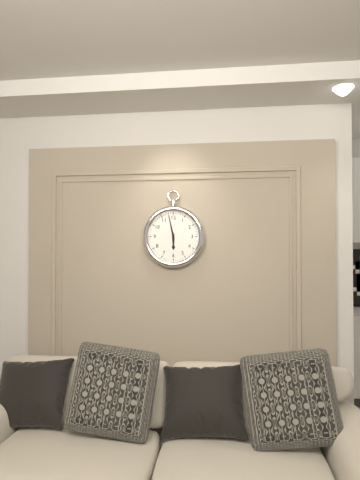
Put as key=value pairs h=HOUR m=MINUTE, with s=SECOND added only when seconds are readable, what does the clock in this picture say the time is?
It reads h=5 m=58
